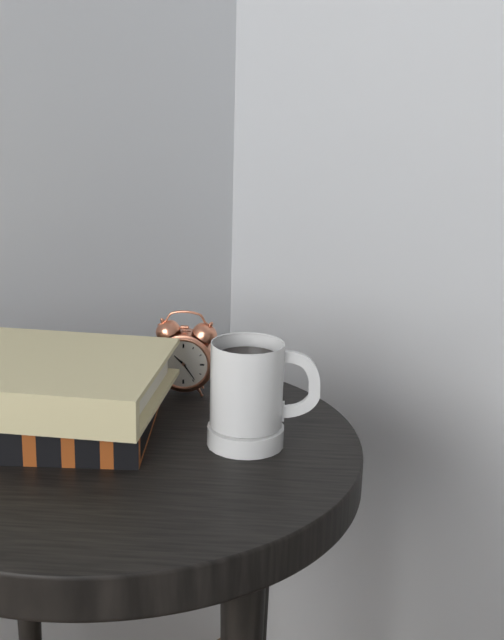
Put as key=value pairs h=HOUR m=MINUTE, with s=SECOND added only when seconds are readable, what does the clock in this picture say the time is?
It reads h=10 m=24
